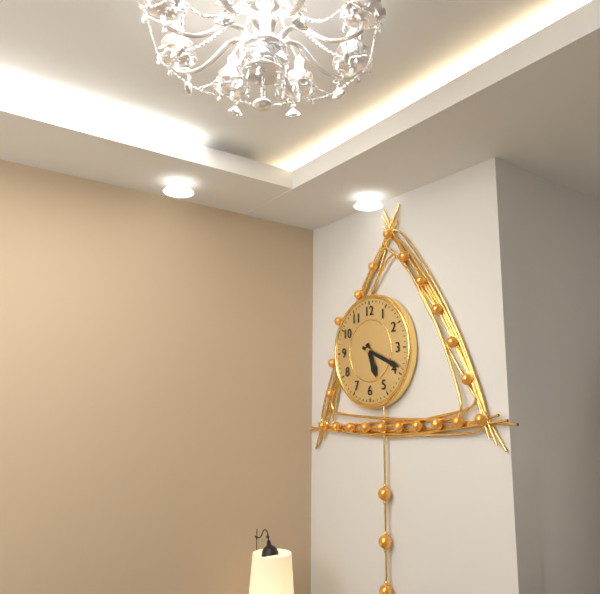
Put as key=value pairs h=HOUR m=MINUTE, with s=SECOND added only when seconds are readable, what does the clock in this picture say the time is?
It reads h=5 m=19
